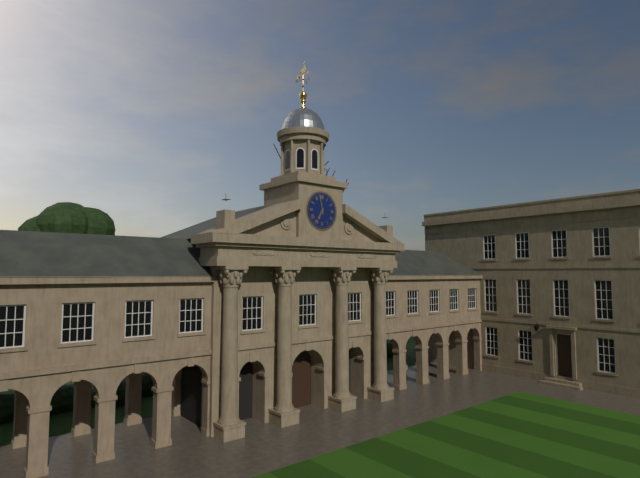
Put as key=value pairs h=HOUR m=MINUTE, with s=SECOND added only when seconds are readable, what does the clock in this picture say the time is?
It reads h=6 m=58
